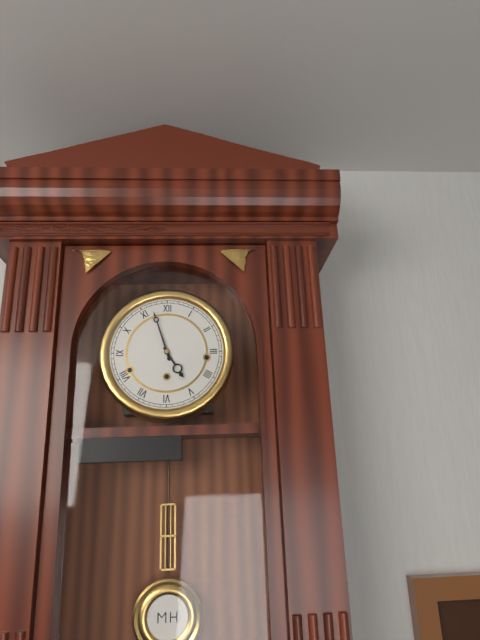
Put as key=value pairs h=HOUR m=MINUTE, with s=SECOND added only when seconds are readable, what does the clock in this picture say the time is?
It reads h=4 m=57
